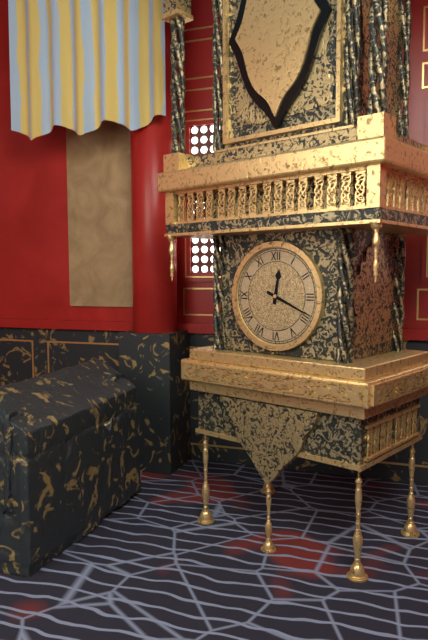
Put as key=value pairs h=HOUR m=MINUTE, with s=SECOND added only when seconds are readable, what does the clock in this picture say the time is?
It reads h=12 m=19
